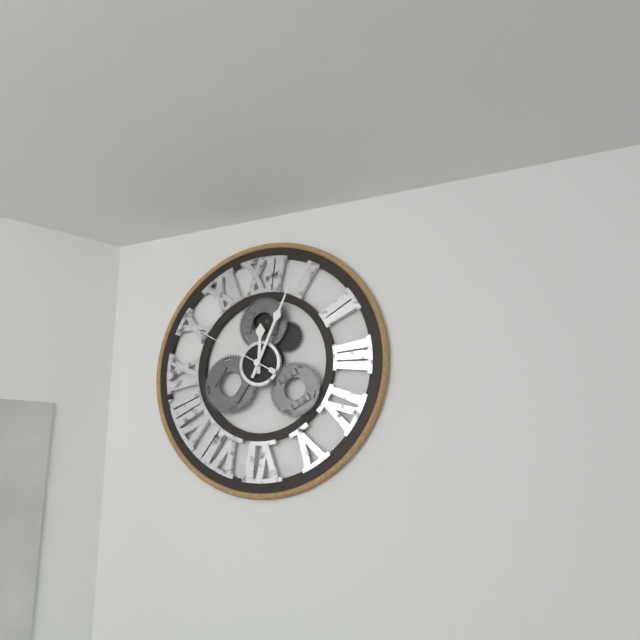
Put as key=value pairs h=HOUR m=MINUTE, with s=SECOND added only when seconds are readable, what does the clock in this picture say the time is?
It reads h=12 m=4 s=50
